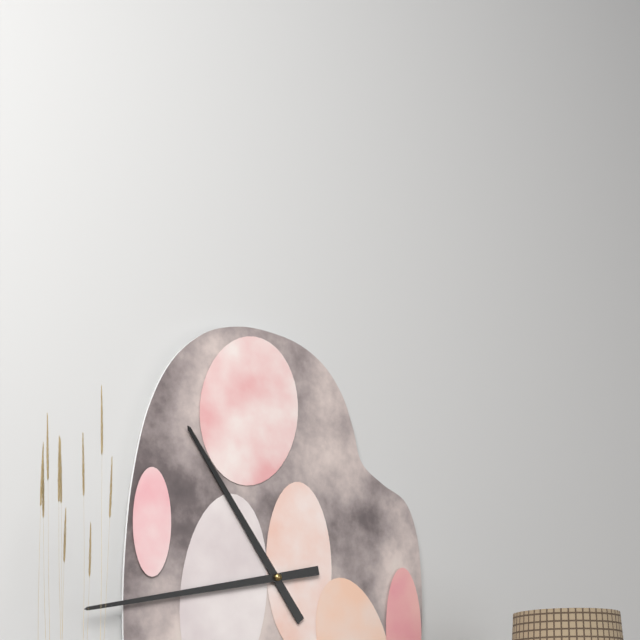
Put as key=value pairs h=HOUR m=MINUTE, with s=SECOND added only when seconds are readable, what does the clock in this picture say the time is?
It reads h=10 m=43
